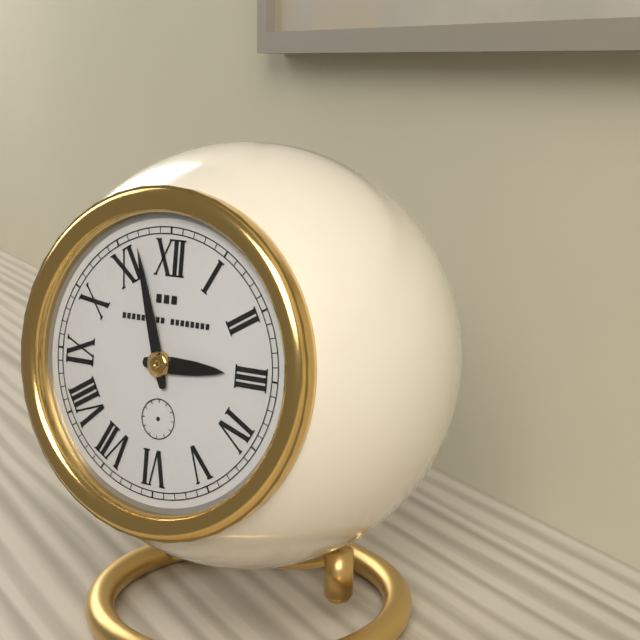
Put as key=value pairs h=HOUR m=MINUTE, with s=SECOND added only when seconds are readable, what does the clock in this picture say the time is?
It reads h=2 m=57
